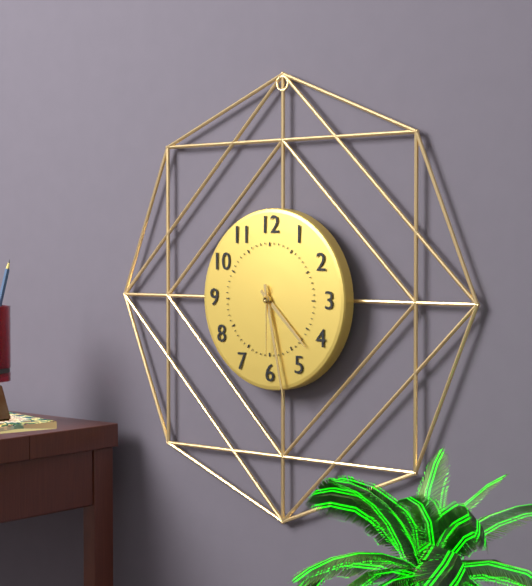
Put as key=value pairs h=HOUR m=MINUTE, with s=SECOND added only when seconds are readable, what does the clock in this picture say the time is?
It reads h=4 m=28 s=30
